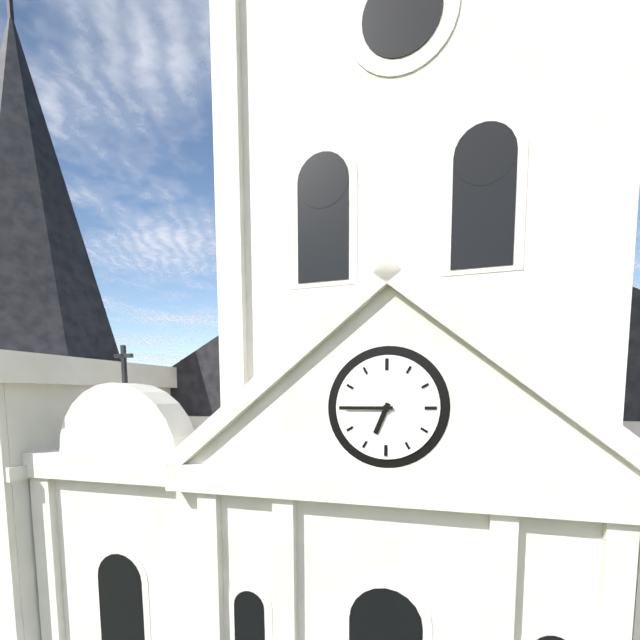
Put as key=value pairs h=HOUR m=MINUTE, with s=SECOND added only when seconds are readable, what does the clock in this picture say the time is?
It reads h=6 m=45
